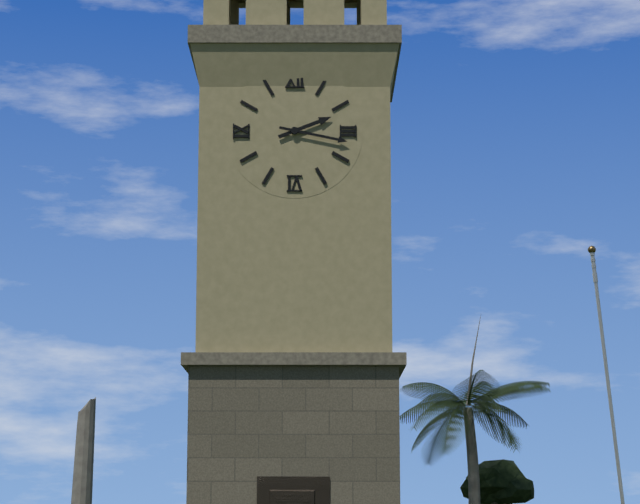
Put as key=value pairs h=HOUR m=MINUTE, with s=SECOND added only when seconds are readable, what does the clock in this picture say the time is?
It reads h=2 m=17
